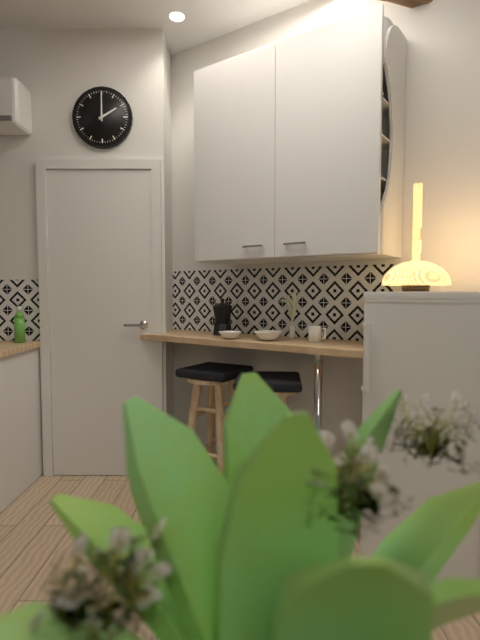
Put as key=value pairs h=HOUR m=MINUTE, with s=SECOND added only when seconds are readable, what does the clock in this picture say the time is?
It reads h=2 m=0
